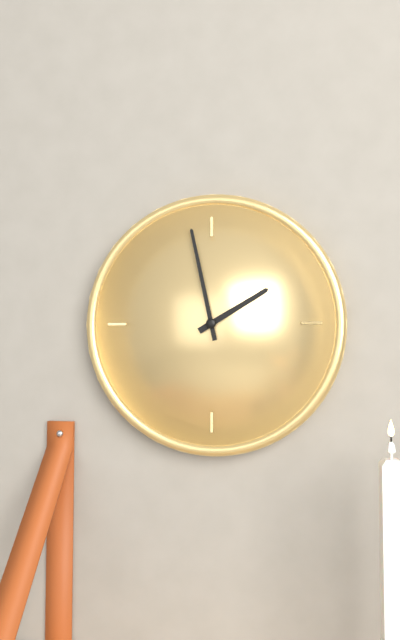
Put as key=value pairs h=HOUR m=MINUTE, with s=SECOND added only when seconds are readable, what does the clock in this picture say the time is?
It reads h=1 m=58
